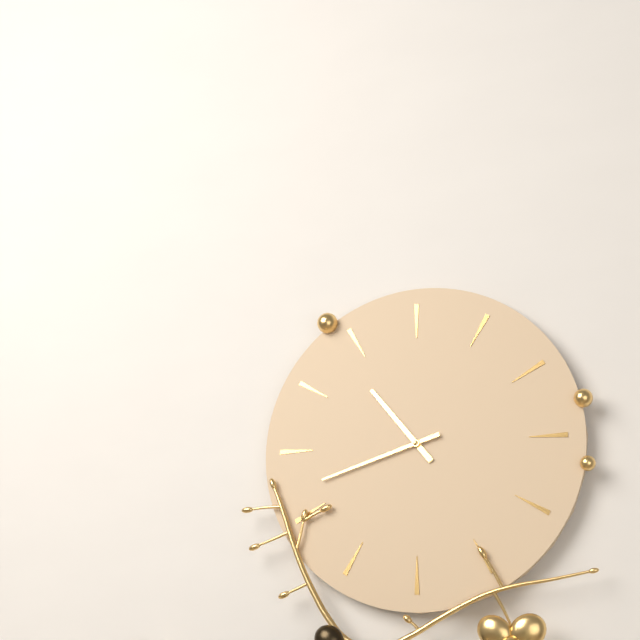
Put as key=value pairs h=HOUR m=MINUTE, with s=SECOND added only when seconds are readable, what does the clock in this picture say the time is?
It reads h=10 m=42
